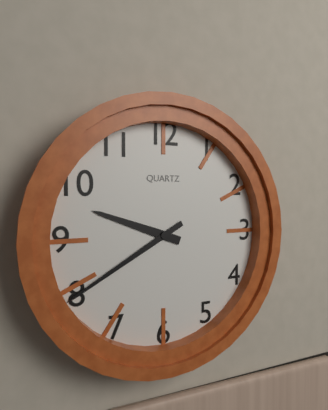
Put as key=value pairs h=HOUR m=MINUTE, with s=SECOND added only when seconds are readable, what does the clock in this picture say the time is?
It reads h=9 m=40
